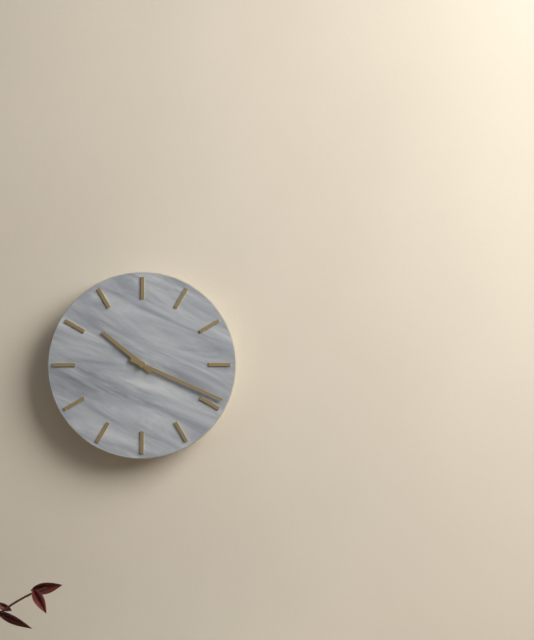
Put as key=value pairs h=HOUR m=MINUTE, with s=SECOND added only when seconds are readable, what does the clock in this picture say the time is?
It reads h=10 m=19
